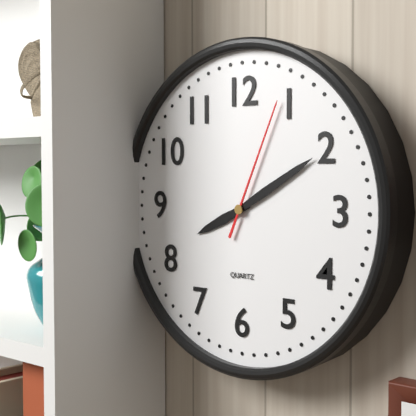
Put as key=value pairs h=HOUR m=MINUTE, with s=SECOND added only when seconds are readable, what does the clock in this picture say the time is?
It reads h=8 m=10 s=4
